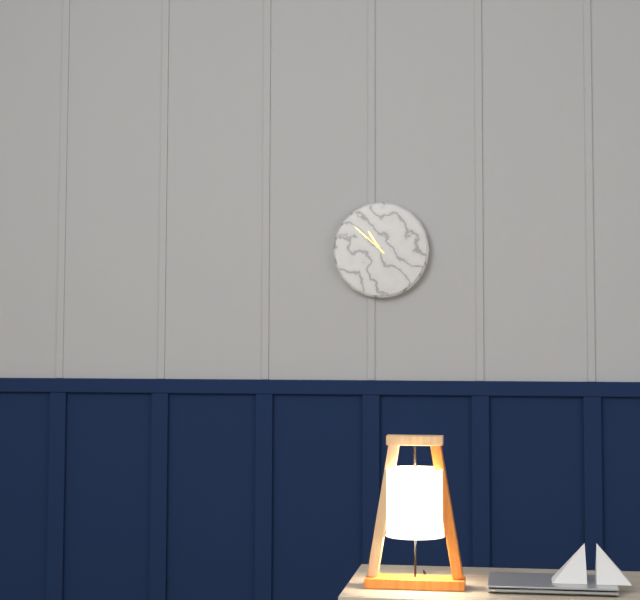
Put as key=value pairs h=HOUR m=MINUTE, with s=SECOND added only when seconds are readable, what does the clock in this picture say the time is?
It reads h=10 m=52
